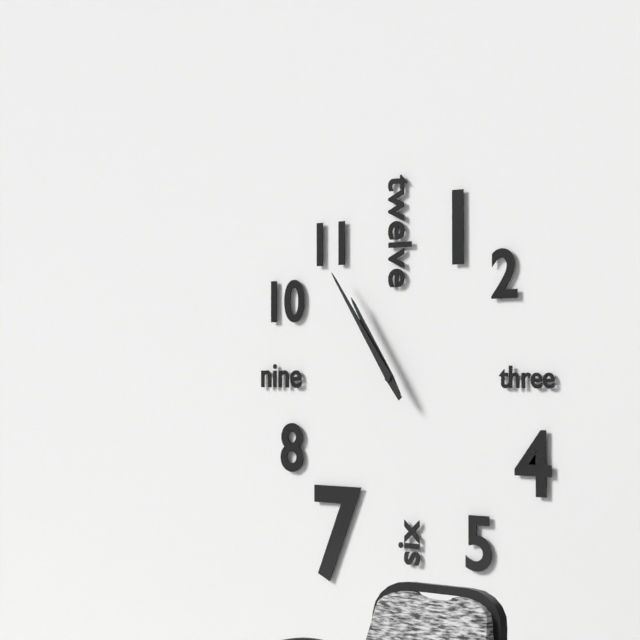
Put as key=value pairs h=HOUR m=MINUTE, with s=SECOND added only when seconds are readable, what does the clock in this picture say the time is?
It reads h=10 m=54
